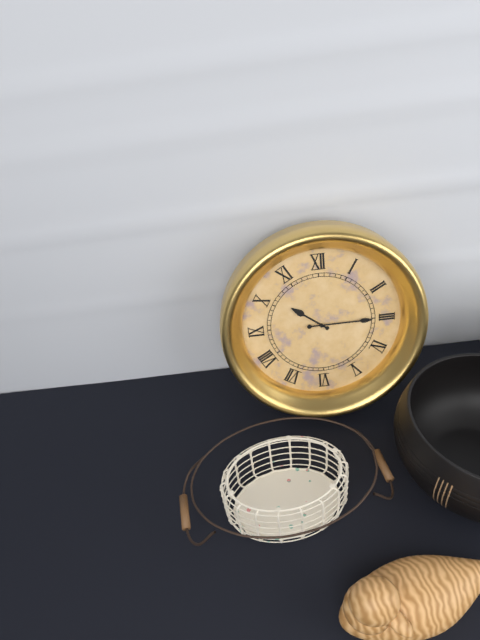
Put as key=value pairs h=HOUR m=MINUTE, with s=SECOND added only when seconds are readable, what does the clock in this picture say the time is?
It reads h=10 m=15
